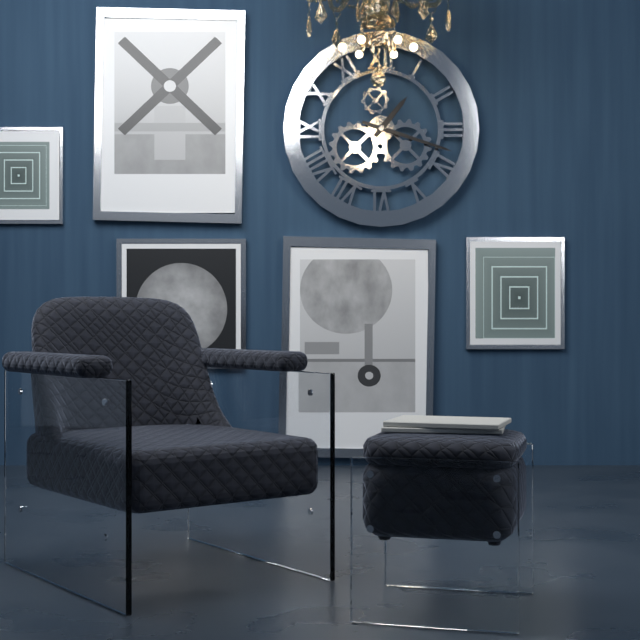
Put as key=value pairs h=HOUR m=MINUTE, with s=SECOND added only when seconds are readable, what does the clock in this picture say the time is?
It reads h=1 m=18
